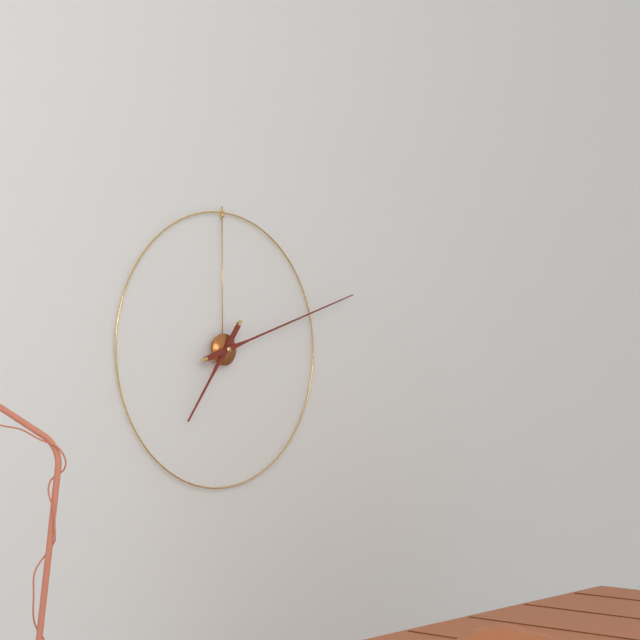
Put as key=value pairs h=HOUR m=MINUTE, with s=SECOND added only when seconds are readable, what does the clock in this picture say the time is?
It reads h=7 m=12
